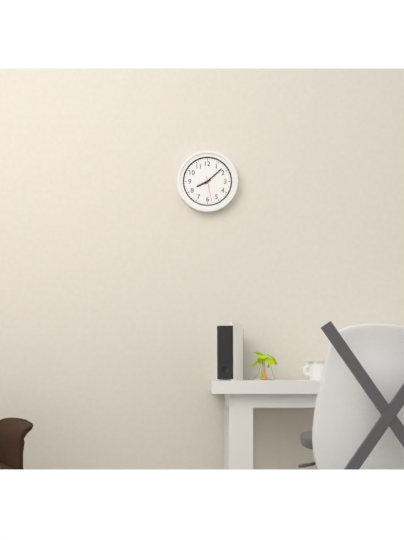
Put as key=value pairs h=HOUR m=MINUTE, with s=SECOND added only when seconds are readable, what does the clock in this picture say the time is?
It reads h=8 m=8
